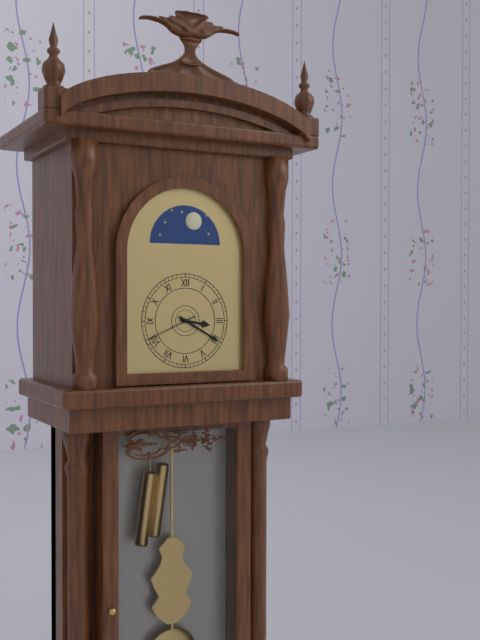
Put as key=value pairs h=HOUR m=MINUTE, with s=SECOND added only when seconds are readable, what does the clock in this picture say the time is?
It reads h=3 m=20 s=41
